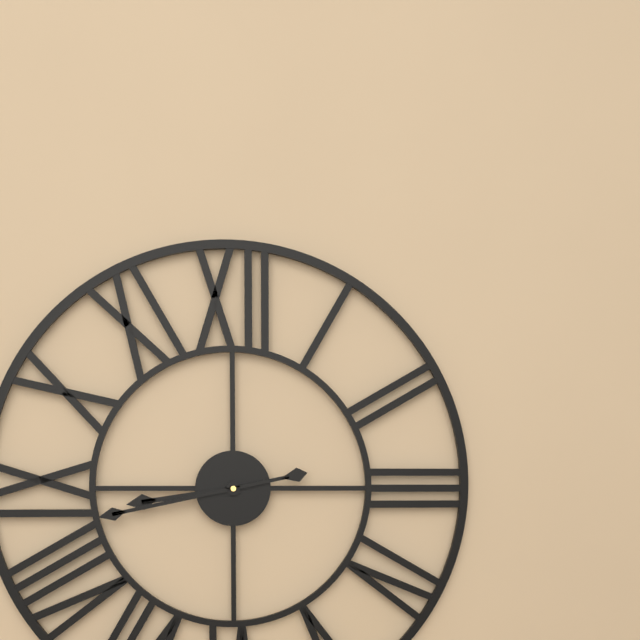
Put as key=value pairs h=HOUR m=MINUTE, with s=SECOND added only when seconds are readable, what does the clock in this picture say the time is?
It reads h=8 m=43
